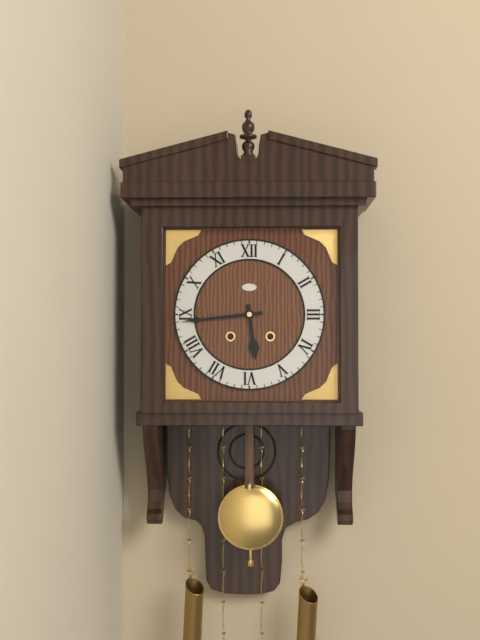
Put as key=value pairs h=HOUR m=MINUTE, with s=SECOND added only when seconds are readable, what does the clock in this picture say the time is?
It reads h=5 m=44
